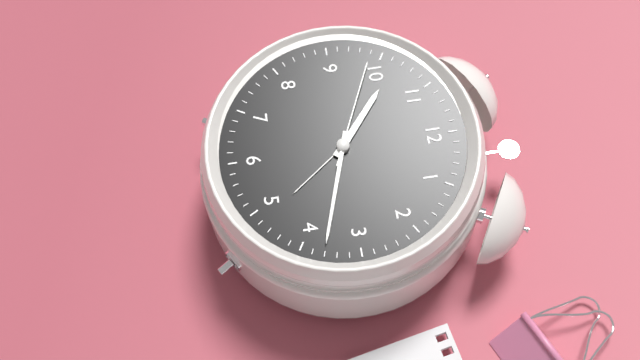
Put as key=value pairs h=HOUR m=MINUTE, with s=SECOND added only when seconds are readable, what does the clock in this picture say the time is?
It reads h=10 m=18 s=49
